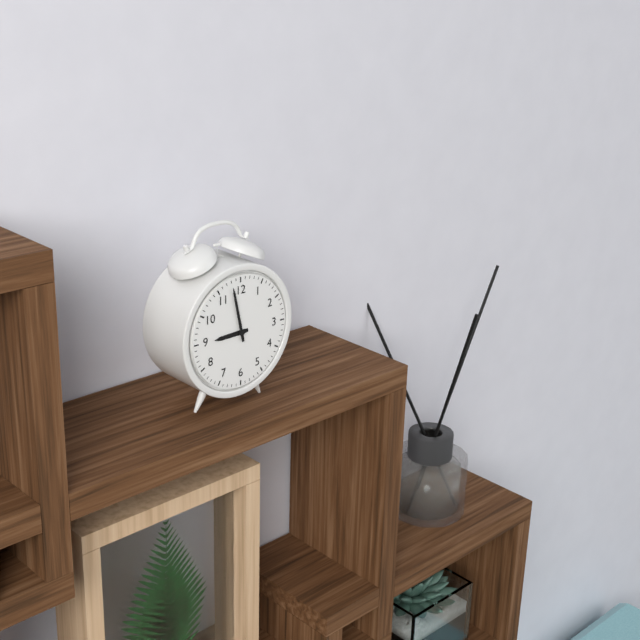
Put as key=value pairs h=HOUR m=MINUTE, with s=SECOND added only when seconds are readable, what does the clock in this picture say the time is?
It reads h=8 m=58
